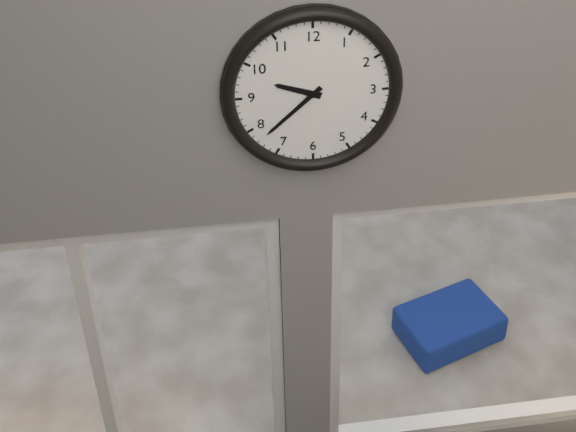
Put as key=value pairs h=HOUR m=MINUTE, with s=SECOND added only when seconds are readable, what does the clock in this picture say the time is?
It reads h=9 m=38
